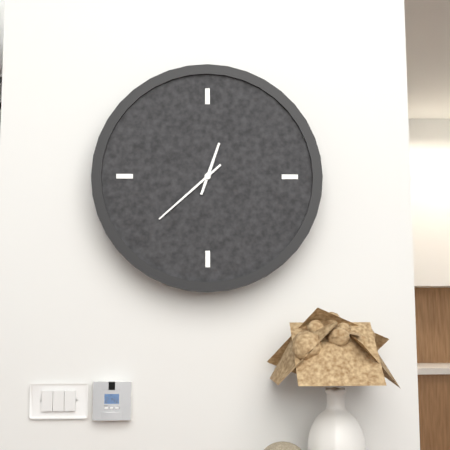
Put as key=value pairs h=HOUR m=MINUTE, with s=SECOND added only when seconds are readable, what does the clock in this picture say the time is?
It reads h=12 m=38
